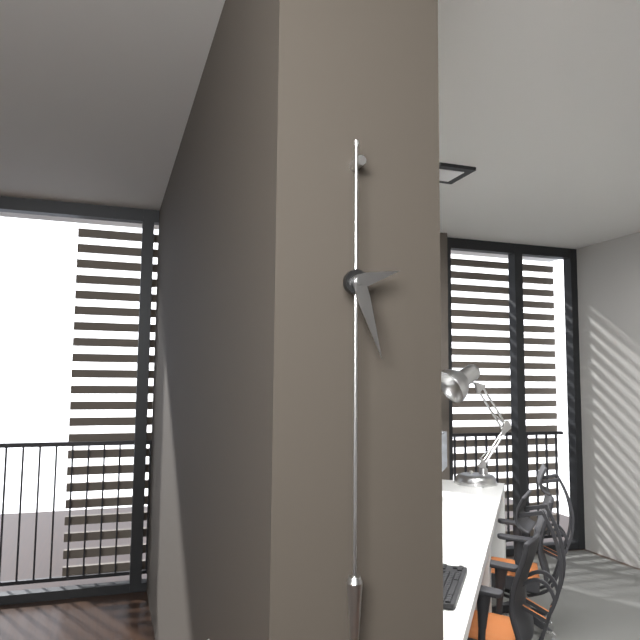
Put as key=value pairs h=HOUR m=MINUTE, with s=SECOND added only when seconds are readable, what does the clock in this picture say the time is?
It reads h=2 m=27
